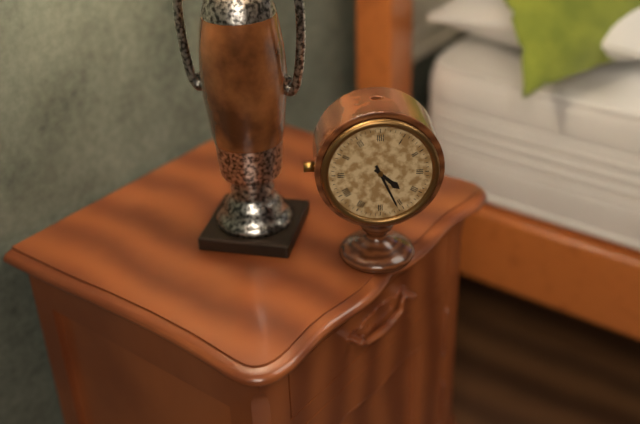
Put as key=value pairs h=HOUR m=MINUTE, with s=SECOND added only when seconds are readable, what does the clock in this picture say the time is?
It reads h=4 m=26
